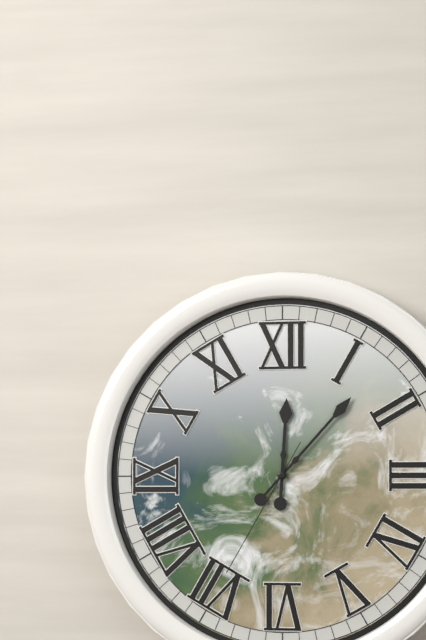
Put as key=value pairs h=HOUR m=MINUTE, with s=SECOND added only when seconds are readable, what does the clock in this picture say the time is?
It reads h=12 m=7 s=35
